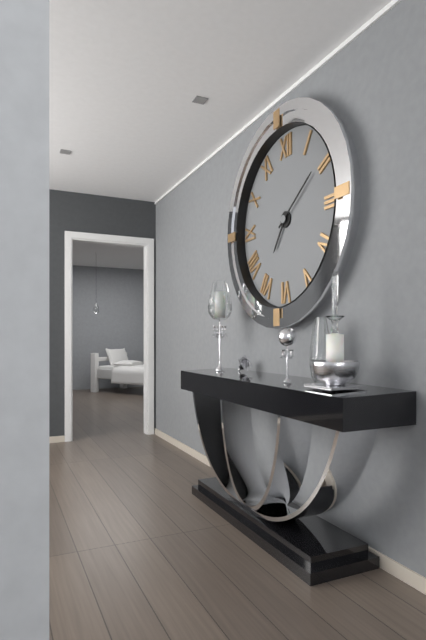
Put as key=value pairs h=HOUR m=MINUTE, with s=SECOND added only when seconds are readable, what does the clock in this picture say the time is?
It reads h=7 m=9
